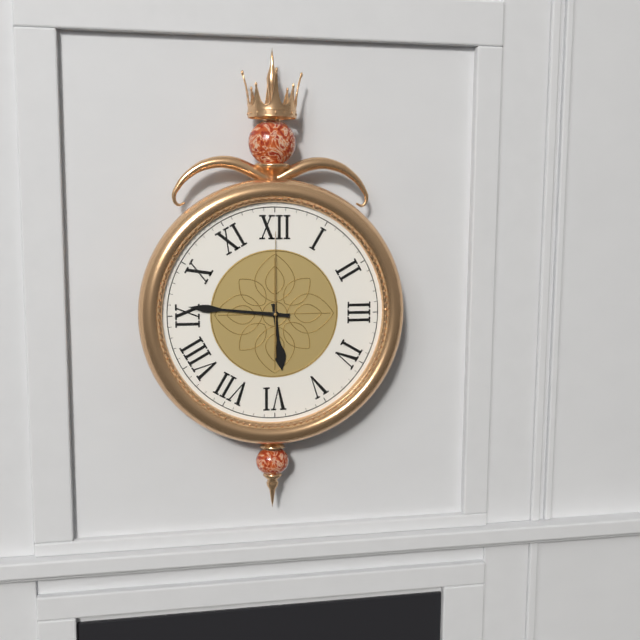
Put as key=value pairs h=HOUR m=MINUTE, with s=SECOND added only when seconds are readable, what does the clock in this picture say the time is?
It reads h=5 m=46 s=0
